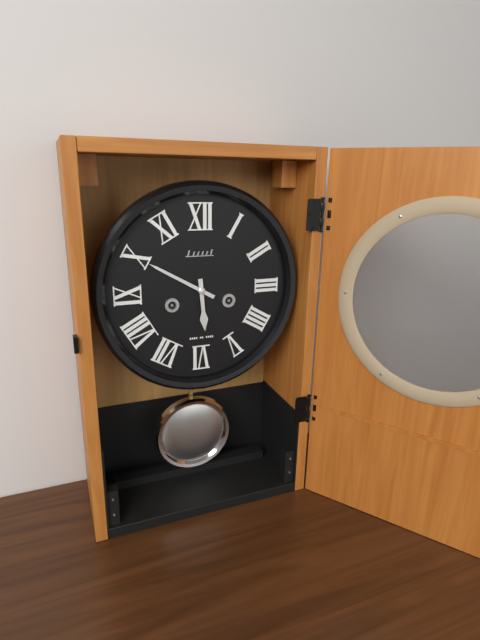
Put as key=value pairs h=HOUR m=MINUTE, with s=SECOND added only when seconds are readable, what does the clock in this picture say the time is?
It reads h=5 m=50
